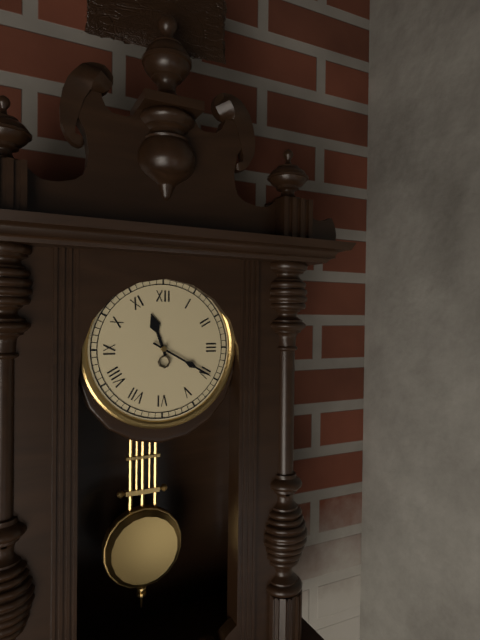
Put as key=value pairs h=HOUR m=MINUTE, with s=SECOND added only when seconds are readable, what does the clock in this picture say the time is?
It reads h=11 m=20
